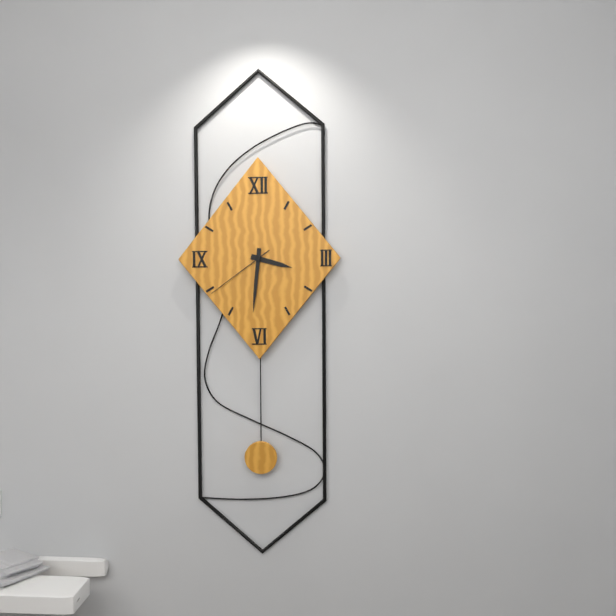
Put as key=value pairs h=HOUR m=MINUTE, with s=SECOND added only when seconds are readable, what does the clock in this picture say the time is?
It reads h=3 m=31 s=39
